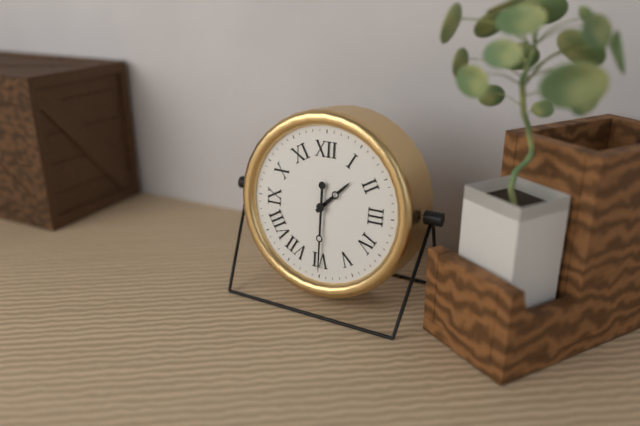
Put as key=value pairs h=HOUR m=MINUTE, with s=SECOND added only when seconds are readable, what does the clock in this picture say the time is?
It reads h=1 m=30
